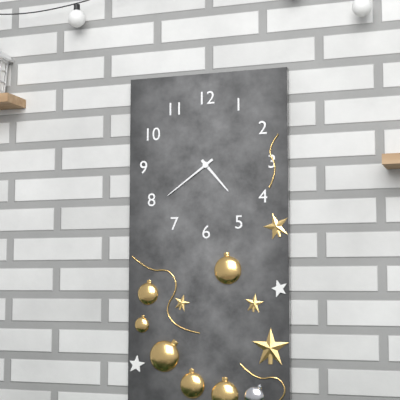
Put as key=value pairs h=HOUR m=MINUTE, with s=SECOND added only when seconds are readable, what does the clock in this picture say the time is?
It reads h=4 m=39
